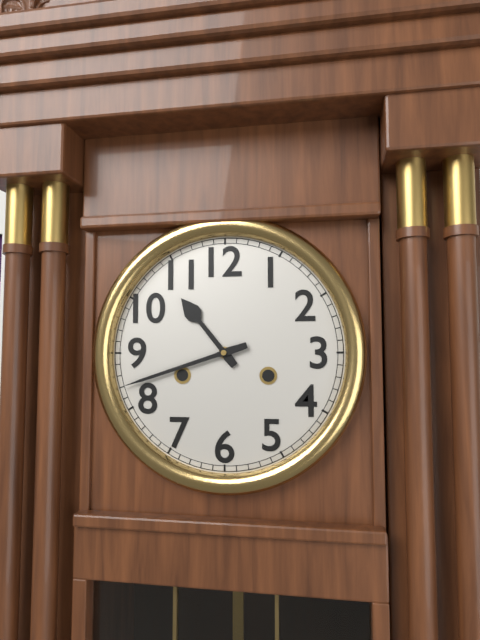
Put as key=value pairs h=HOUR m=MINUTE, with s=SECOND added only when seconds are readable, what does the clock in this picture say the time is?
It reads h=10 m=42
